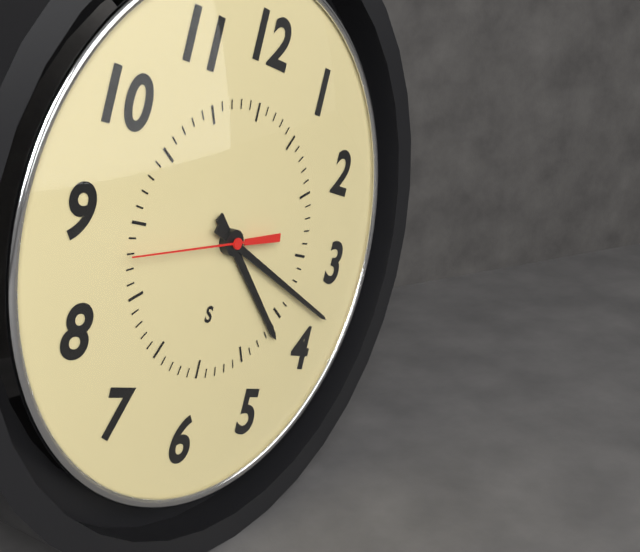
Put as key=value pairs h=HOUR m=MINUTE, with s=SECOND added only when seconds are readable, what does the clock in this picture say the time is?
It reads h=4 m=18 s=43
